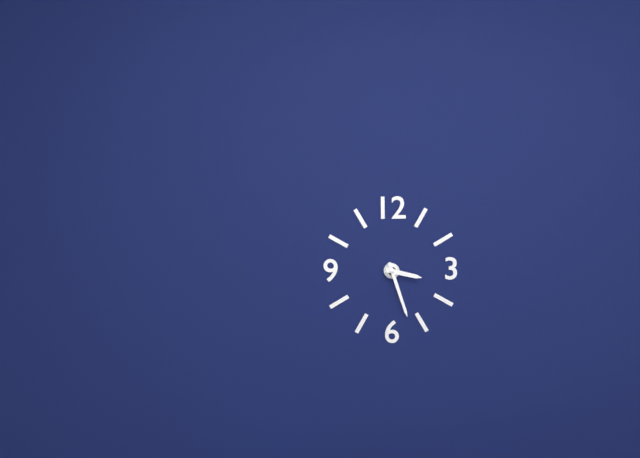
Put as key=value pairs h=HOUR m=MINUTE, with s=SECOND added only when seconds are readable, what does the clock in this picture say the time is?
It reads h=3 m=27
